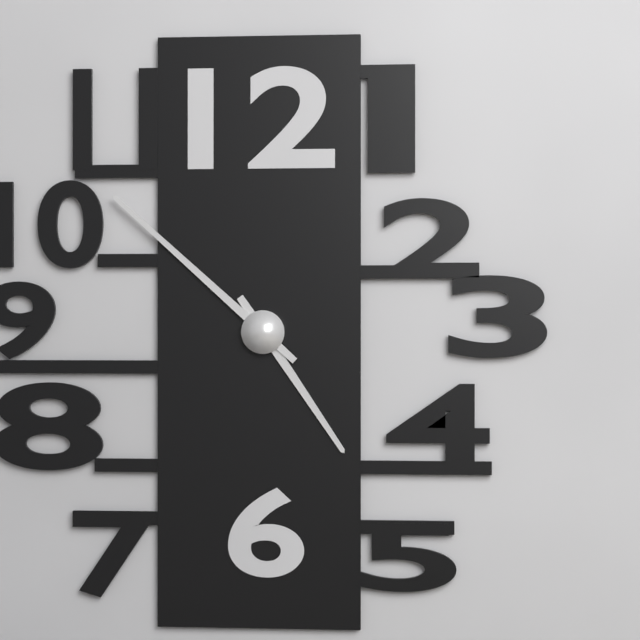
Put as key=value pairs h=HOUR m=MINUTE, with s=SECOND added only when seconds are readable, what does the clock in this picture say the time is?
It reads h=4 m=52
